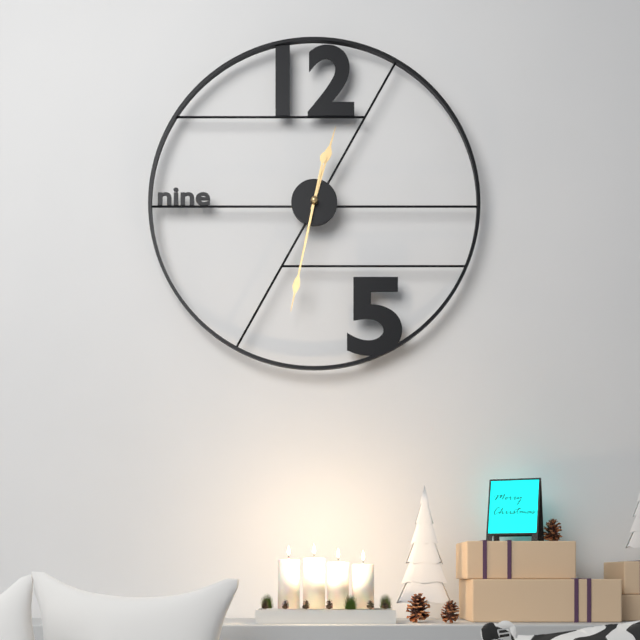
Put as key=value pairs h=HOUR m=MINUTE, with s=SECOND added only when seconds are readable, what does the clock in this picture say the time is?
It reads h=12 m=32
